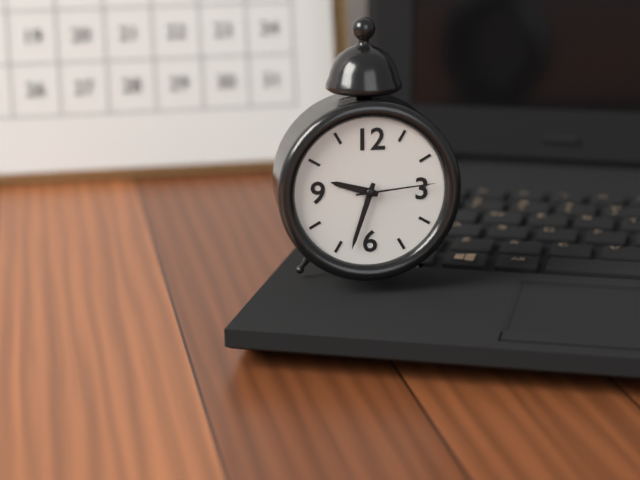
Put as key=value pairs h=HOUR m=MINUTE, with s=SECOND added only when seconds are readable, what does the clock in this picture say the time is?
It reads h=9 m=33 s=14
